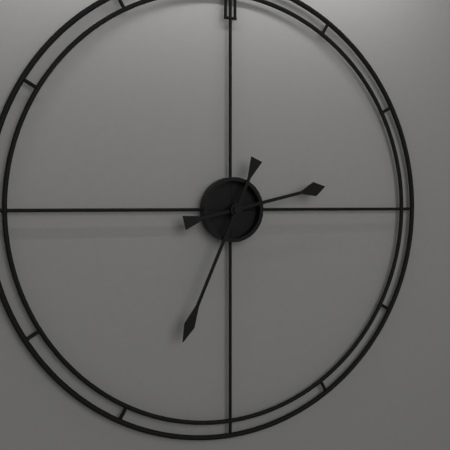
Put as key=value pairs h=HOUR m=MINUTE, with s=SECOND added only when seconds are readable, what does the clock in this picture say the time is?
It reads h=2 m=34
